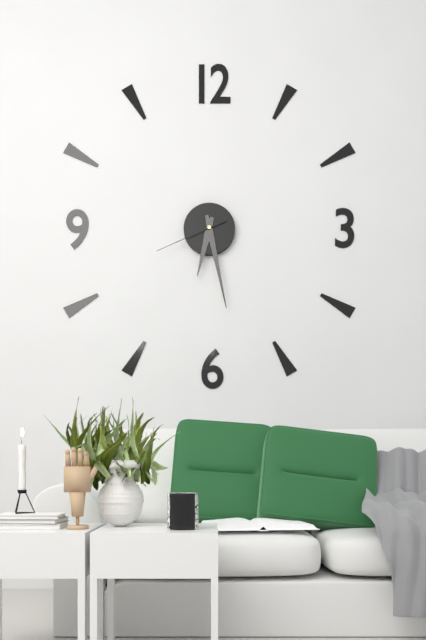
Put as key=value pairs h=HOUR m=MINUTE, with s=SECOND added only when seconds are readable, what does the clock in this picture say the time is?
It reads h=6 m=28 s=41
